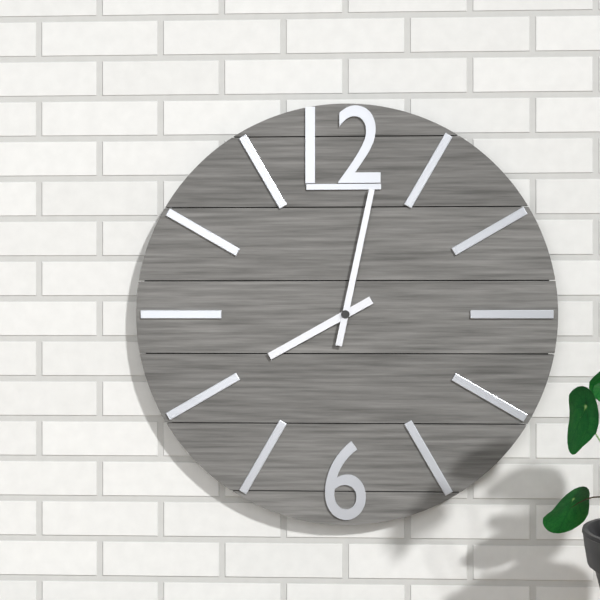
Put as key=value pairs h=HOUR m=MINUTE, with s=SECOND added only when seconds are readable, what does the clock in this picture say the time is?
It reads h=8 m=2
